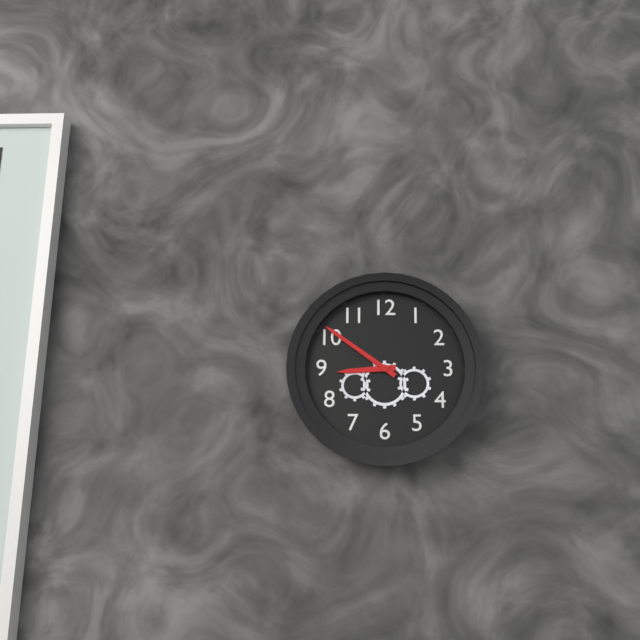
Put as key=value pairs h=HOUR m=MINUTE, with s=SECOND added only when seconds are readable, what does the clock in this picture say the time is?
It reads h=8 m=51
